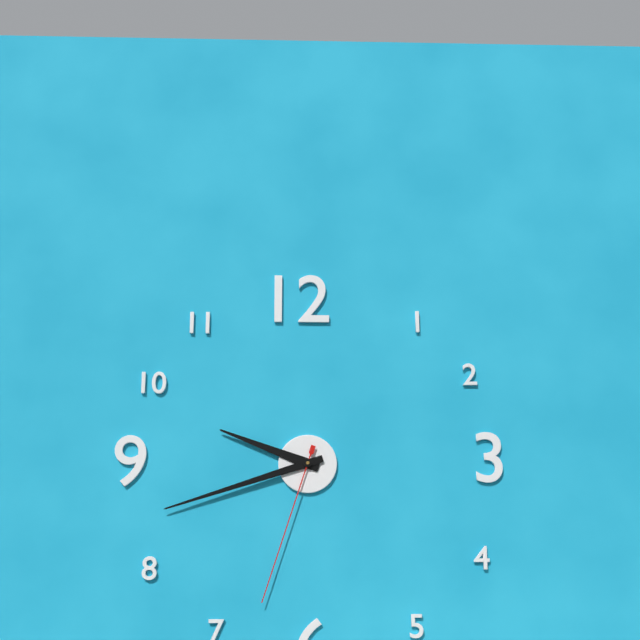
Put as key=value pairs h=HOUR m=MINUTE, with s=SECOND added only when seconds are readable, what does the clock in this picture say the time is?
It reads h=9 m=42 s=33
